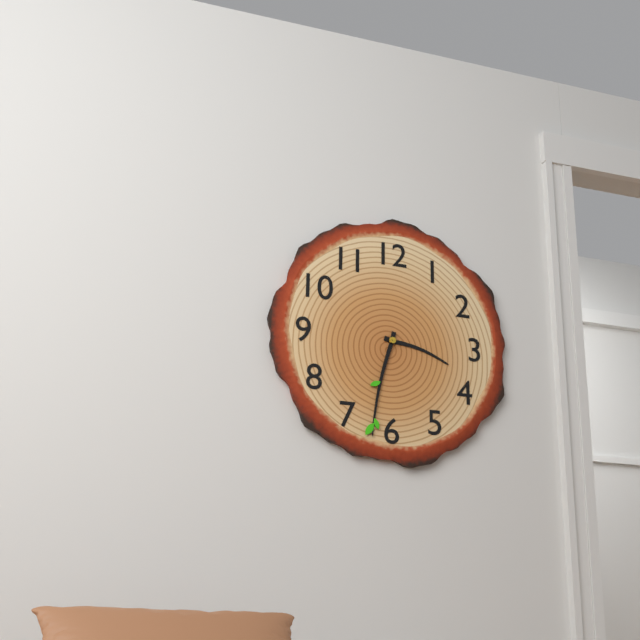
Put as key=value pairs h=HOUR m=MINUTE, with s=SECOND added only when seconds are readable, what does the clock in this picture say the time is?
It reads h=3 m=32
